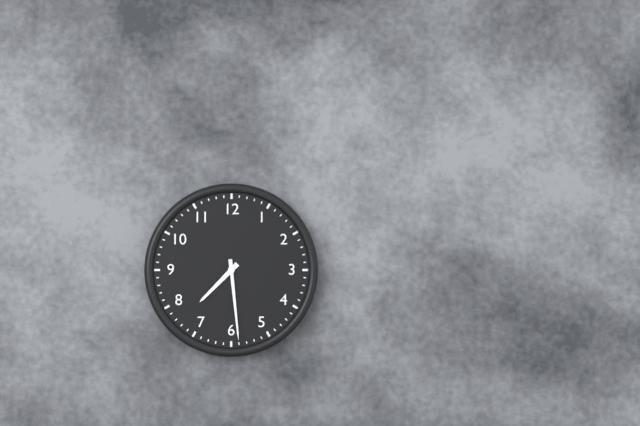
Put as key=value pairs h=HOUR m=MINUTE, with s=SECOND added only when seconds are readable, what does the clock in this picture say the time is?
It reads h=7 m=29
